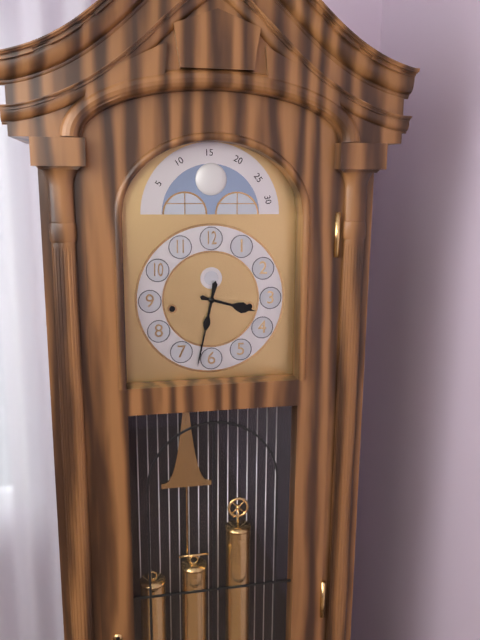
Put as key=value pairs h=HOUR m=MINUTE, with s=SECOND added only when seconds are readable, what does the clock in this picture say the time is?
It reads h=3 m=32
